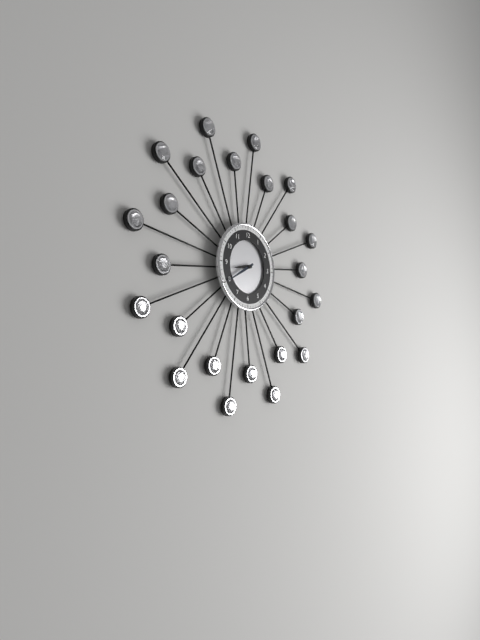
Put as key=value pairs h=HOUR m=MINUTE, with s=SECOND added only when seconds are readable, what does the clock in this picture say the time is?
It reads h=8 m=40
